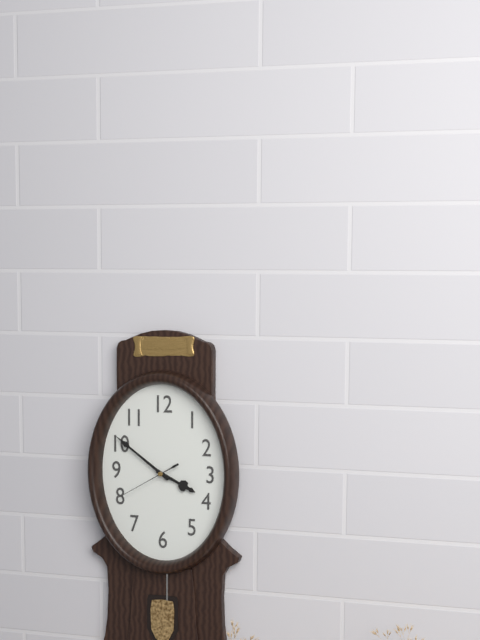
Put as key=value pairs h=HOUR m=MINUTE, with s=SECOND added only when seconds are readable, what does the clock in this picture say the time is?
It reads h=3 m=51 s=40
